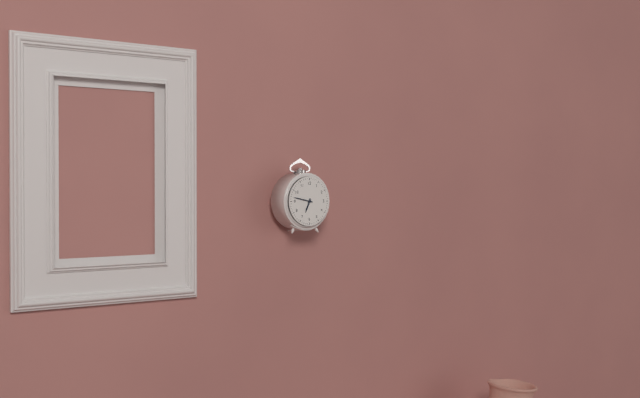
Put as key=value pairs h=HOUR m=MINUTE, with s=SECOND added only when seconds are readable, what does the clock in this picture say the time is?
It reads h=6 m=47
